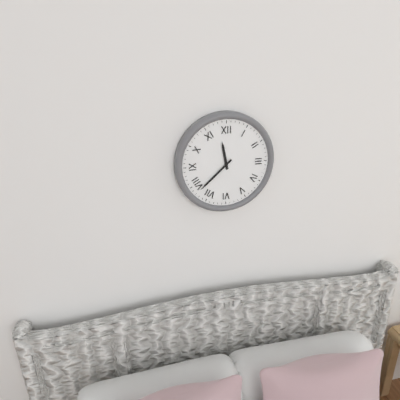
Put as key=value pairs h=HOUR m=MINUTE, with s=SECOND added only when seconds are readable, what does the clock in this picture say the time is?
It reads h=11 m=38
